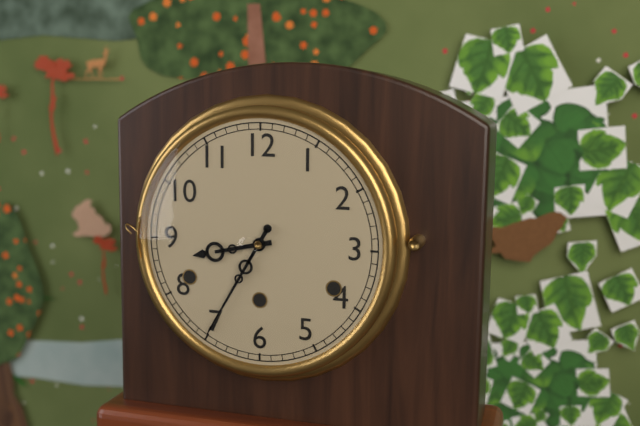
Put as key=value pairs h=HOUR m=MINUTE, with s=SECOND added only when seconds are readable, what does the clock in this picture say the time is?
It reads h=8 m=35
